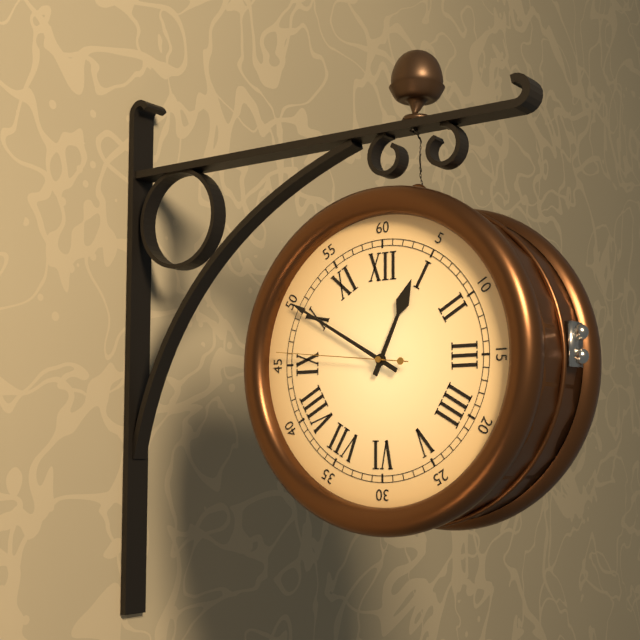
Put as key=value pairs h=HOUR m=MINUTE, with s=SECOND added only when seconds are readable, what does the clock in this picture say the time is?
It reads h=12 m=50 s=46
